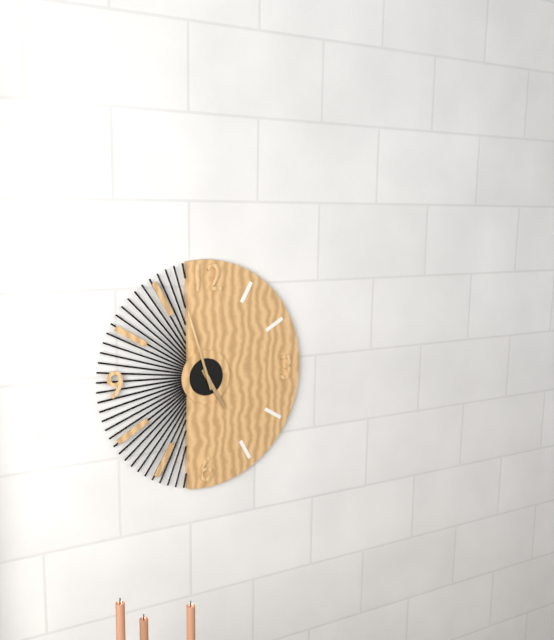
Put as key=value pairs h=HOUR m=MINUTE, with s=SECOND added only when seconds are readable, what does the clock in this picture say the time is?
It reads h=4 m=57
